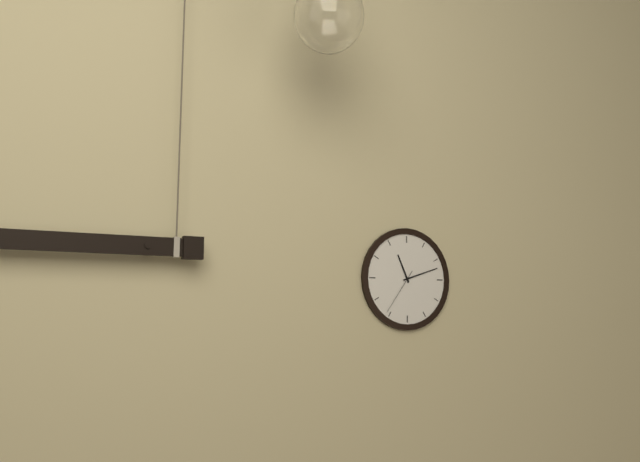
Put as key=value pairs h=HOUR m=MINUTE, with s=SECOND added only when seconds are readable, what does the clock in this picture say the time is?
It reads h=11 m=12
